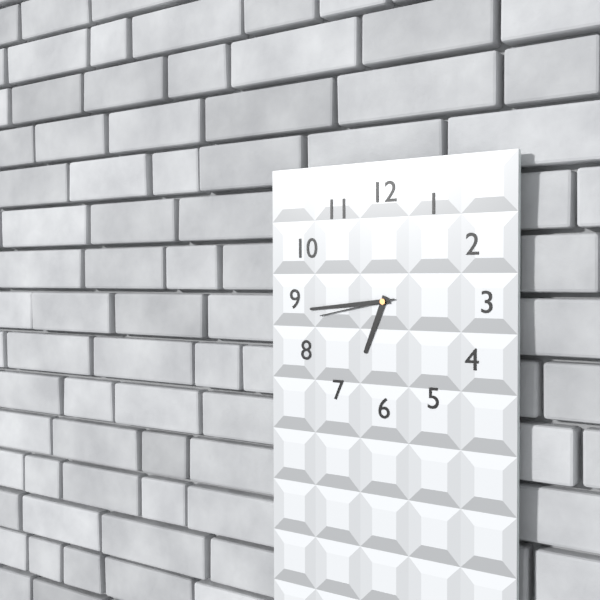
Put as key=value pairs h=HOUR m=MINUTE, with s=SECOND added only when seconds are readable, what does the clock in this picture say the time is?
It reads h=6 m=44 s=43
